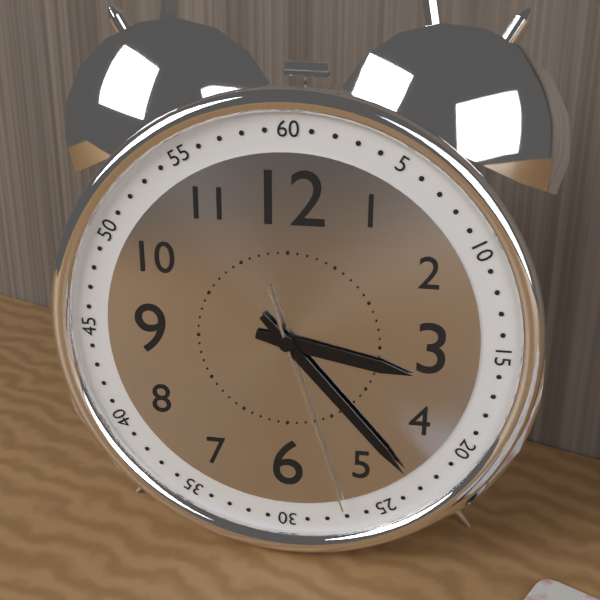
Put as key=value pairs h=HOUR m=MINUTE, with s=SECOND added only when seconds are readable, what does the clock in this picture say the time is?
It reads h=3 m=23 s=27
